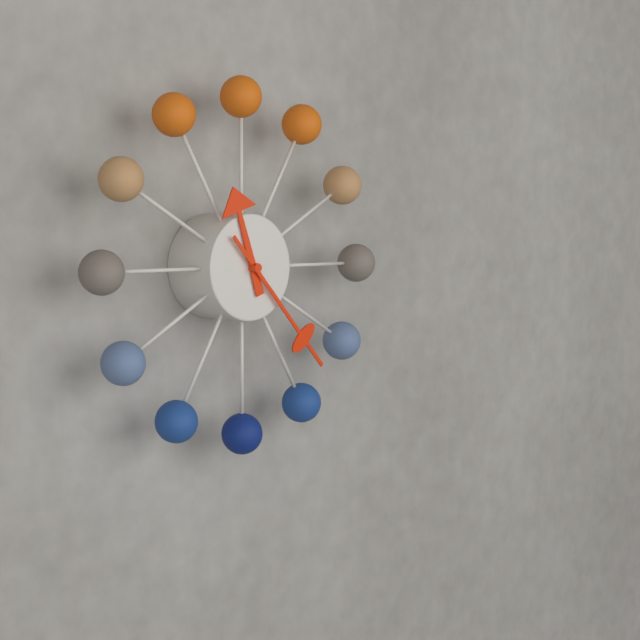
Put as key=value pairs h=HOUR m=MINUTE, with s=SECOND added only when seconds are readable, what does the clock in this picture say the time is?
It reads h=11 m=23
